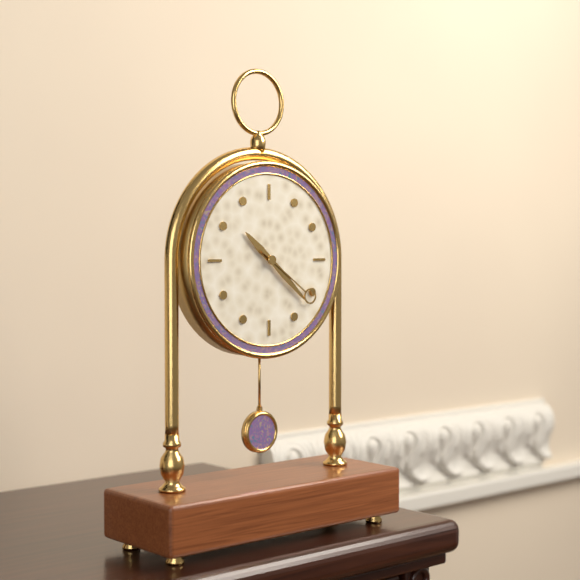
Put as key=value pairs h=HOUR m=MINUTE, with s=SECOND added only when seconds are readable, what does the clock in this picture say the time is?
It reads h=10 m=22 s=21
